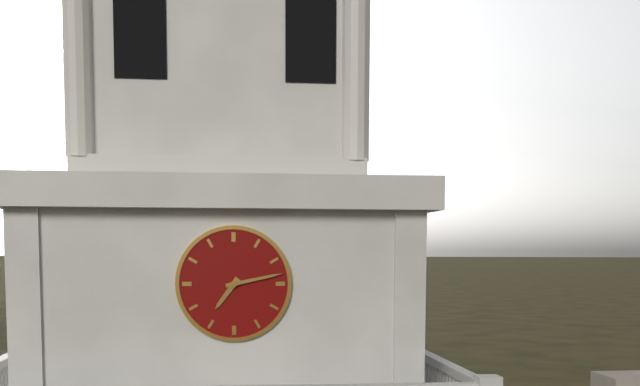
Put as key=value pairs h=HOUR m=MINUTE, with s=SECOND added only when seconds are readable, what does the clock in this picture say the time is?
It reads h=7 m=13
